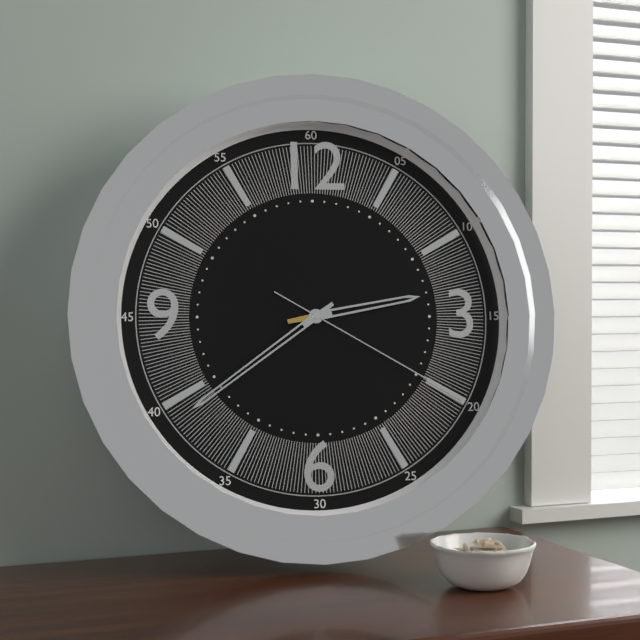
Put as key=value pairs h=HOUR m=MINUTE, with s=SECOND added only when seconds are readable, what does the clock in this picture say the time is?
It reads h=2 m=39 s=20
